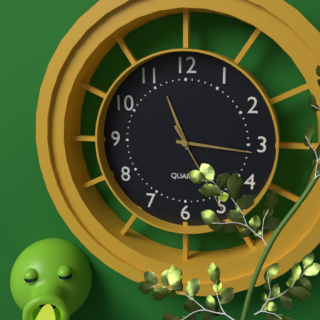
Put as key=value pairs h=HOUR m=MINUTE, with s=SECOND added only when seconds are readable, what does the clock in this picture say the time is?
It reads h=11 m=16 s=25
